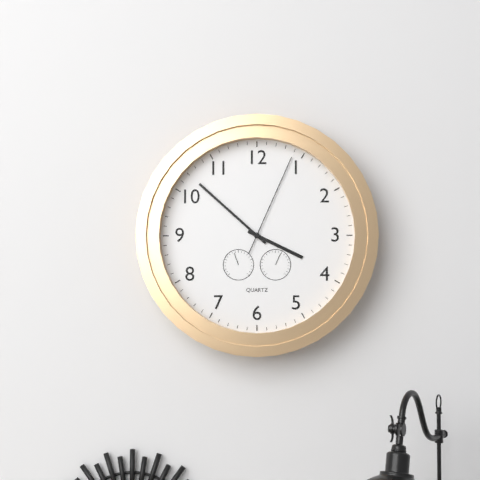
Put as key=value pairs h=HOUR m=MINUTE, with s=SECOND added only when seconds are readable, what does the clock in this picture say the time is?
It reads h=3 m=52 s=4
